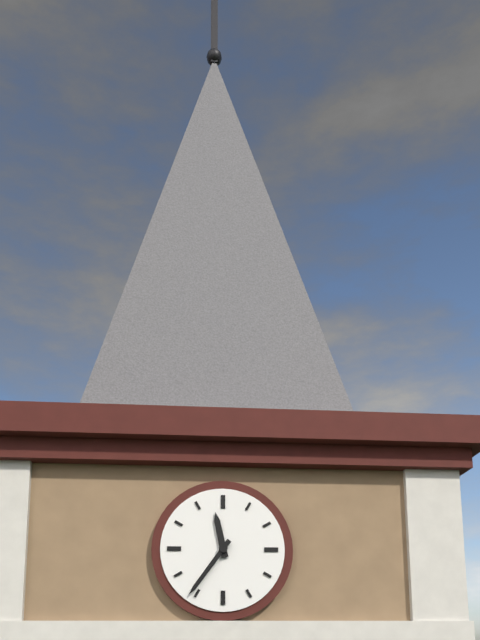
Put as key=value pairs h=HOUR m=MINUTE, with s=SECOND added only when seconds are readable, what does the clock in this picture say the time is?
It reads h=11 m=36
